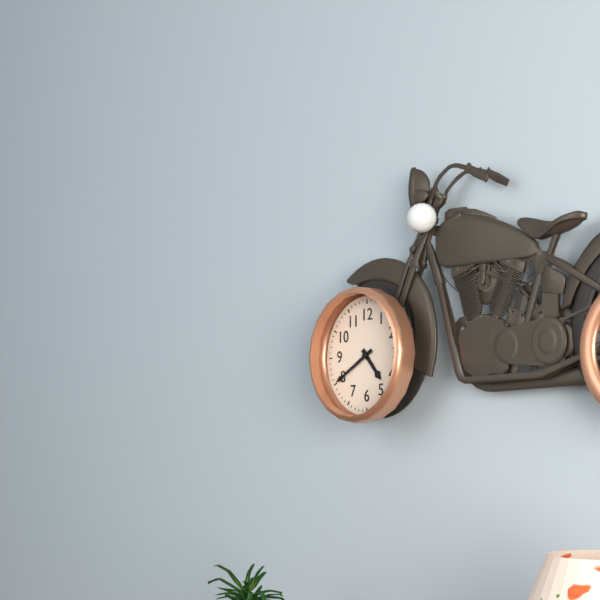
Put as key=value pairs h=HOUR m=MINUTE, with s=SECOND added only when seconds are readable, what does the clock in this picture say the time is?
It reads h=4 m=40
